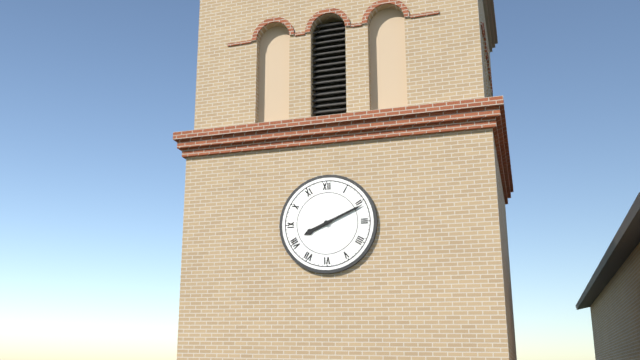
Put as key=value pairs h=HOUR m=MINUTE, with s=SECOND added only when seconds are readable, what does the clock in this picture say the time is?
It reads h=8 m=11
